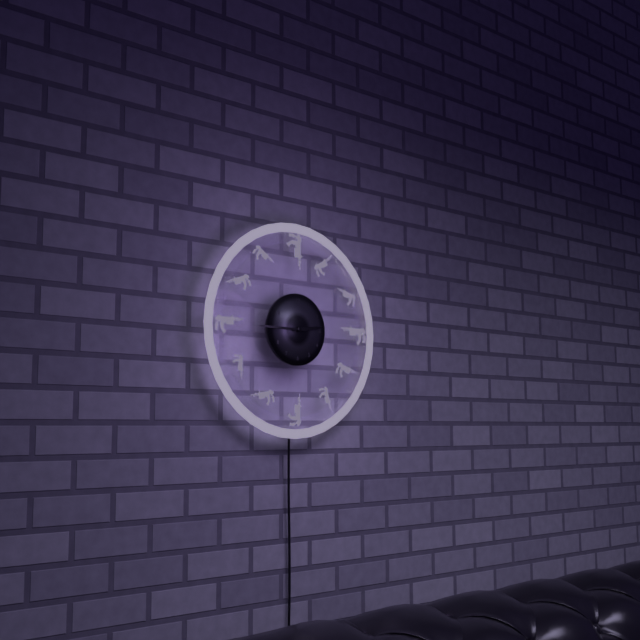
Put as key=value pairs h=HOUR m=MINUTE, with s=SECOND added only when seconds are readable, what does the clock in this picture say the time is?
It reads h=2 m=45
